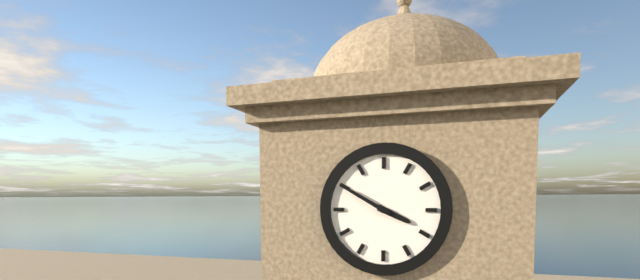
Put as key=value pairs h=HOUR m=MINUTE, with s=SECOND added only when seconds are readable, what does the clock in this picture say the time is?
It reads h=3 m=50
